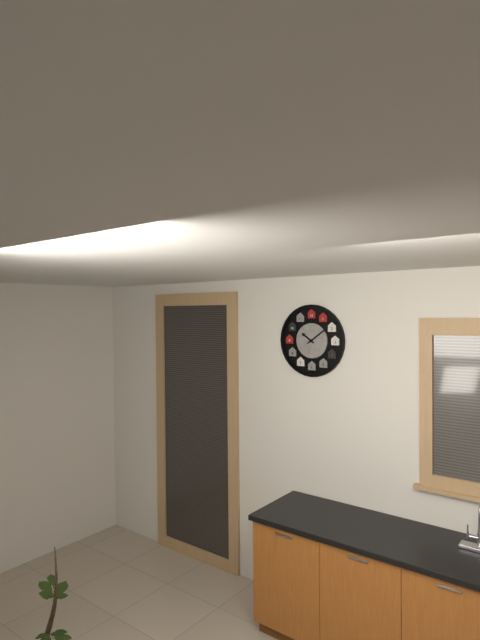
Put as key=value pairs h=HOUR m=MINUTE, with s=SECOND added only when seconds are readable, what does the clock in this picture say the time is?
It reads h=10 m=9
